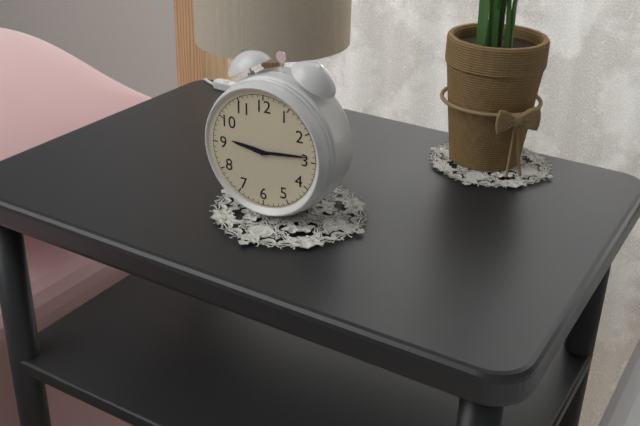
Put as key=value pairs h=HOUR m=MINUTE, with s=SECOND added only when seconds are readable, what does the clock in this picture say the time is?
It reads h=9 m=14
